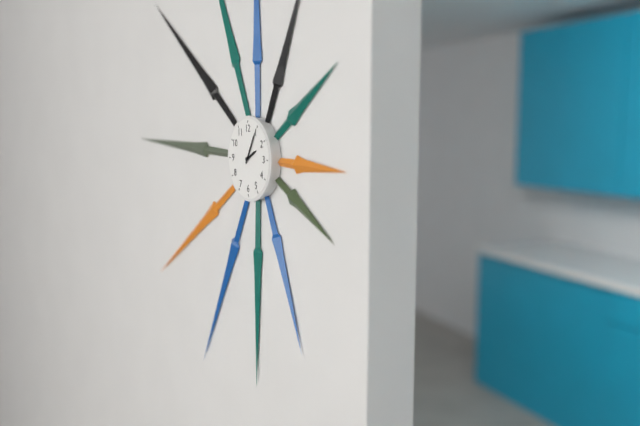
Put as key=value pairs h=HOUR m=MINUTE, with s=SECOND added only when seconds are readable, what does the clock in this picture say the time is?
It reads h=2 m=5
